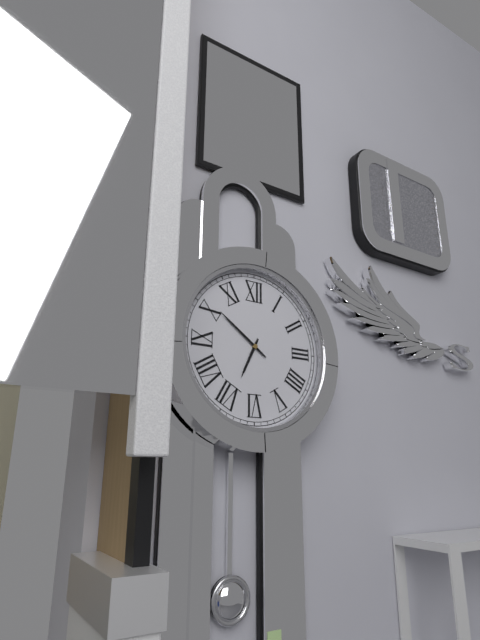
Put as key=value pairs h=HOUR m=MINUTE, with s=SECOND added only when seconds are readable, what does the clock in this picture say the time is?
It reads h=6 m=51
